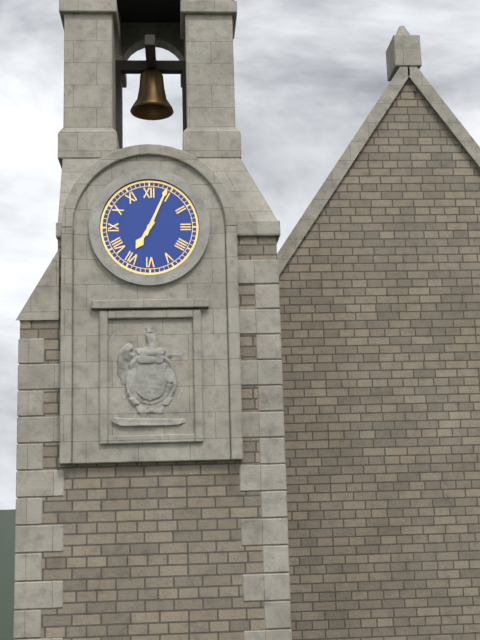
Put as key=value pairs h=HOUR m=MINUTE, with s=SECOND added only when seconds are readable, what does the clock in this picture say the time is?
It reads h=7 m=4
